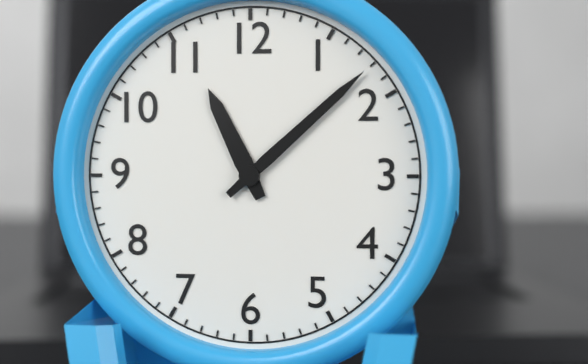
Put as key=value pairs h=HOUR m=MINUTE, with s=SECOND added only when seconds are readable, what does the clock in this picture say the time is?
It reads h=11 m=8
